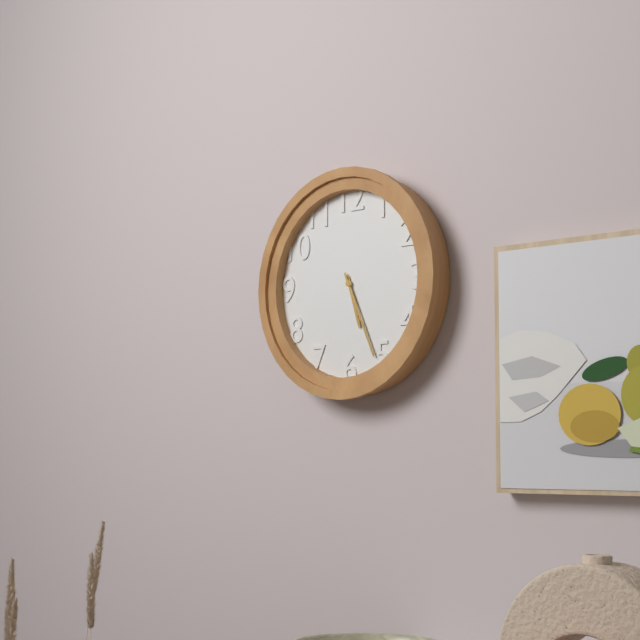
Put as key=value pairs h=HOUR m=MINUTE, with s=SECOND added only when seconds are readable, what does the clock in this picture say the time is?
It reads h=5 m=26
